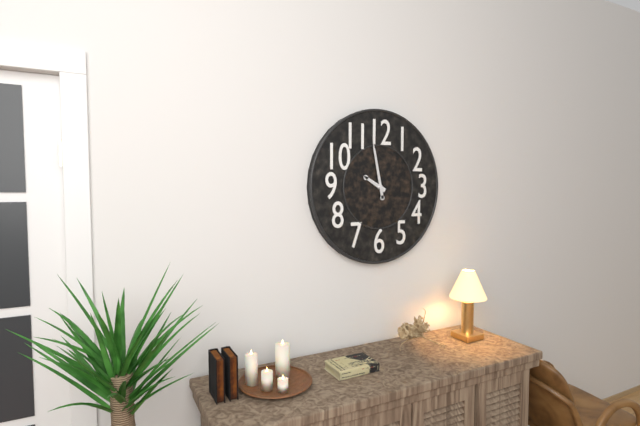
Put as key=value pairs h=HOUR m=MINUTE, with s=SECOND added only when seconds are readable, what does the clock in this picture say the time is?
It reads h=9 m=58
